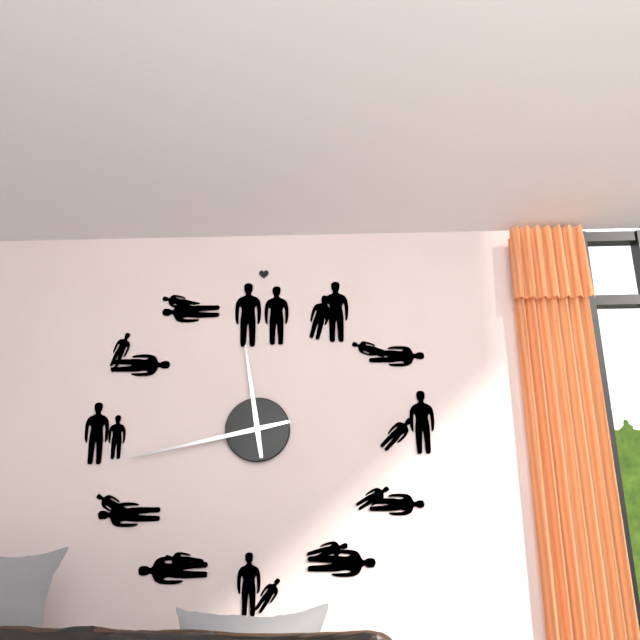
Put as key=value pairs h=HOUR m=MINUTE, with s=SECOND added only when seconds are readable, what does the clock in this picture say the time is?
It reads h=11 m=43
